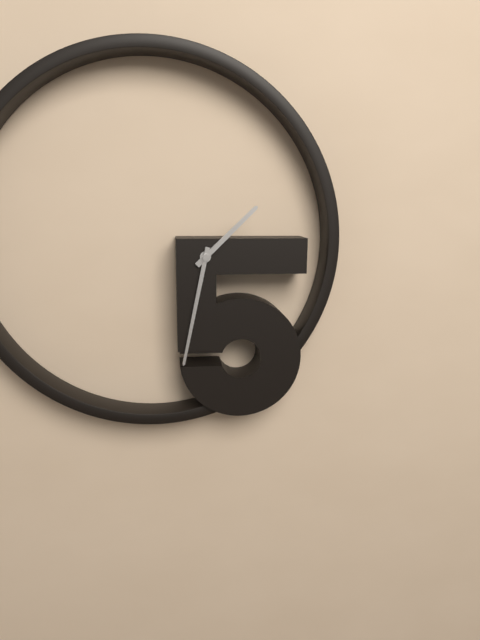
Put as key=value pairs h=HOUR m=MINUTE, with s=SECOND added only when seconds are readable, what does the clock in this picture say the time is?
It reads h=1 m=32
